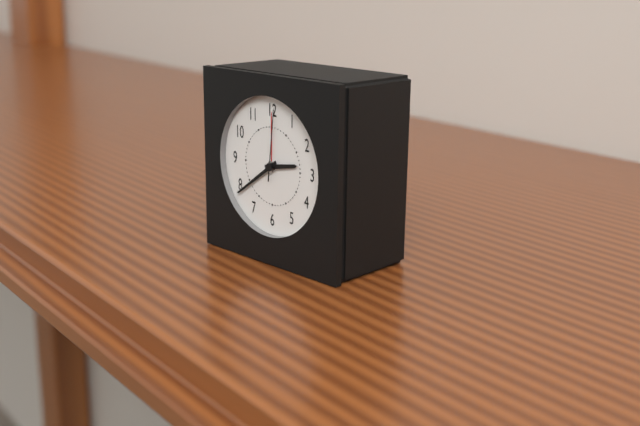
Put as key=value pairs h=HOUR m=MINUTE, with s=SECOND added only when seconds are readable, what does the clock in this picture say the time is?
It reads h=2 m=39 s=1
